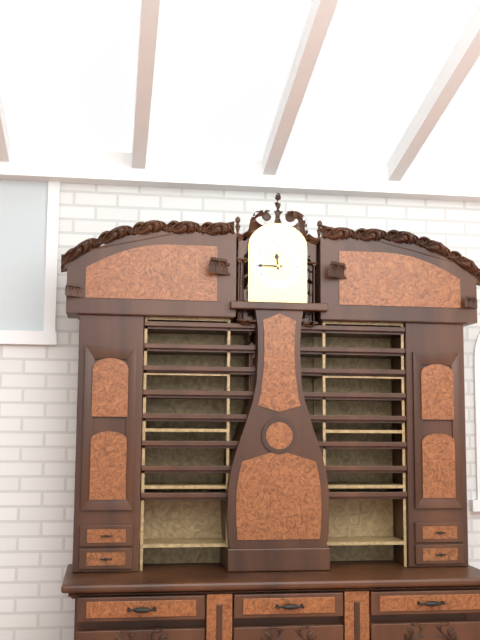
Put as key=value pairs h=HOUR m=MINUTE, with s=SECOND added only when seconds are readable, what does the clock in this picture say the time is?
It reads h=11 m=45
